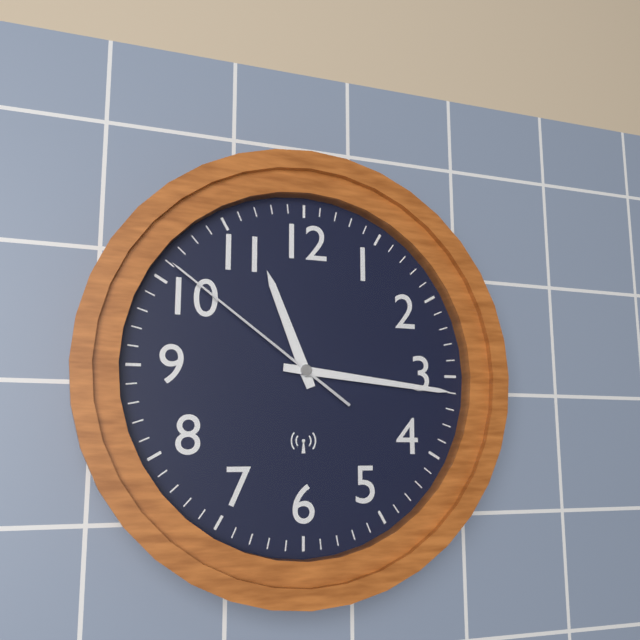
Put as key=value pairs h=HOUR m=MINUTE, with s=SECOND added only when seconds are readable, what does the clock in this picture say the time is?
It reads h=11 m=16 s=51
